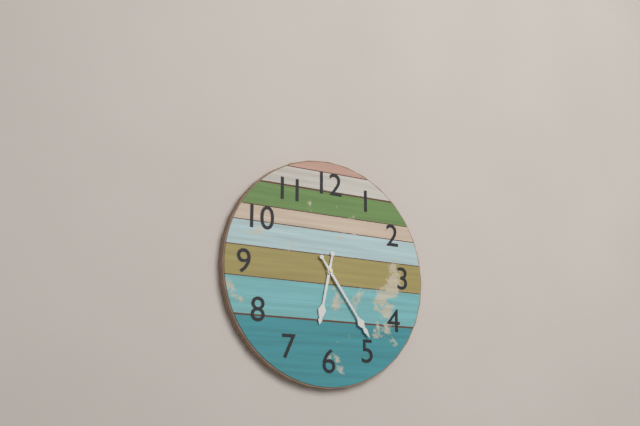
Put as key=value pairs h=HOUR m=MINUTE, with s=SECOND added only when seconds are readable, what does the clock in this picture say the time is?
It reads h=6 m=24
